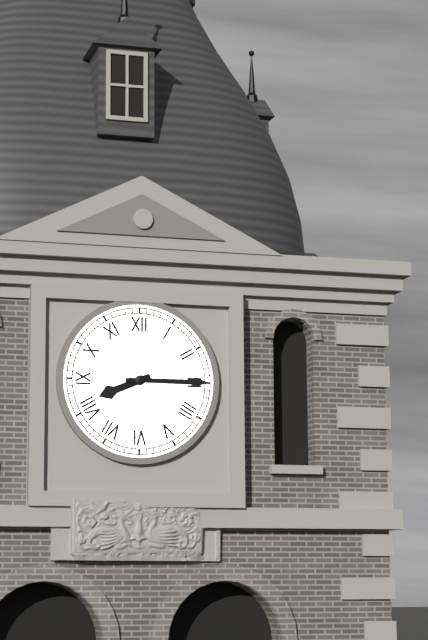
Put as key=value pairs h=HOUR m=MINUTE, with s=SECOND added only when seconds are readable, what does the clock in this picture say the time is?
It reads h=8 m=15
